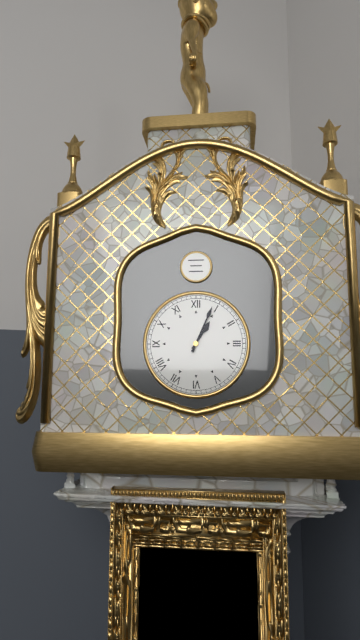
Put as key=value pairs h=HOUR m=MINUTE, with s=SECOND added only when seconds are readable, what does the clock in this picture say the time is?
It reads h=1 m=4
